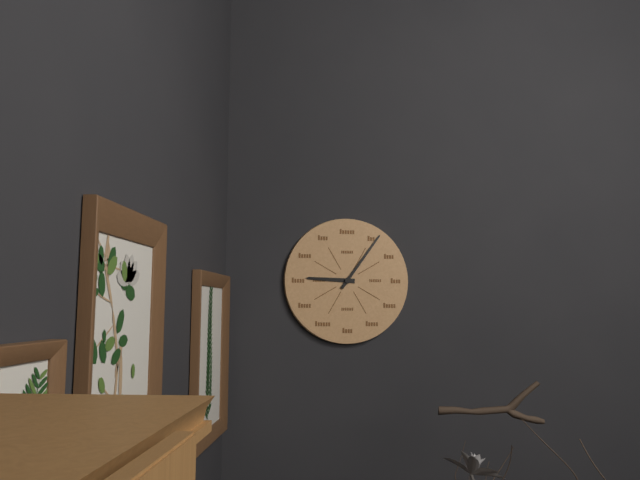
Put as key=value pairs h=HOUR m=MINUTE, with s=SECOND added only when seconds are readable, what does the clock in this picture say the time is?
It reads h=9 m=6
